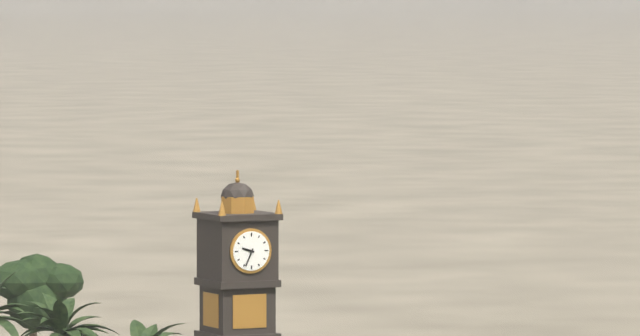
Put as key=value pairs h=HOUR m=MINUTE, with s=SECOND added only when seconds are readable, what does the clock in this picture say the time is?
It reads h=9 m=34
